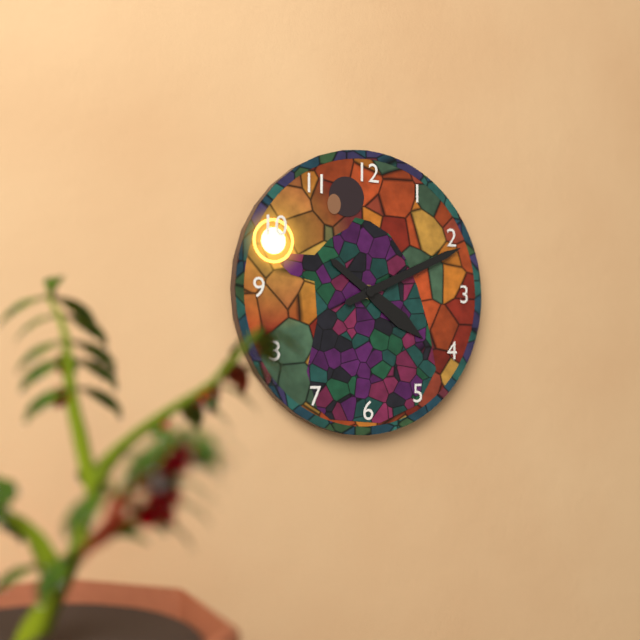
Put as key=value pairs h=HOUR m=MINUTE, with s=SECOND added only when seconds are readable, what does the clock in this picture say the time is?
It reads h=4 m=11
